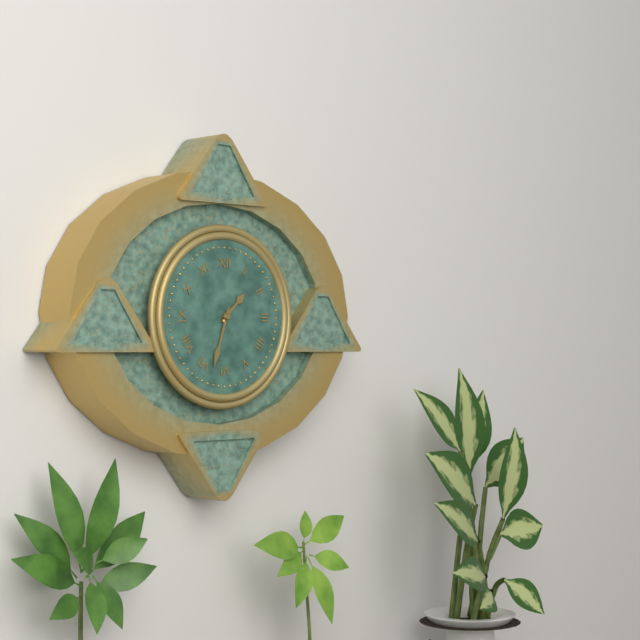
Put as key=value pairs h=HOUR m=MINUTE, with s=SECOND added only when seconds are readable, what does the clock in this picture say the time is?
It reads h=1 m=33
